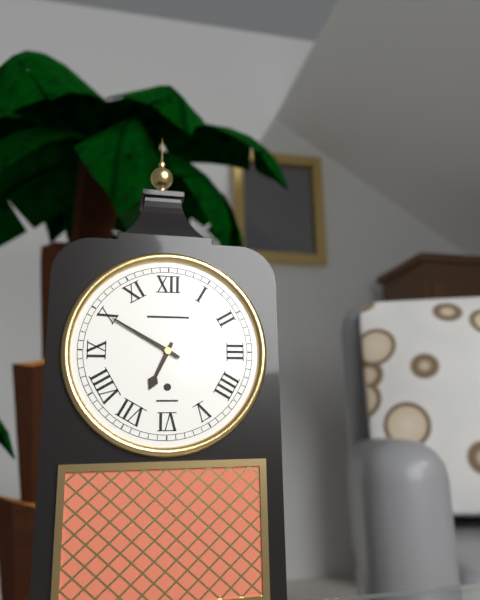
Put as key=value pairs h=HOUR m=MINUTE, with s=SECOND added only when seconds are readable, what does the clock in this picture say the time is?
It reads h=6 m=50
